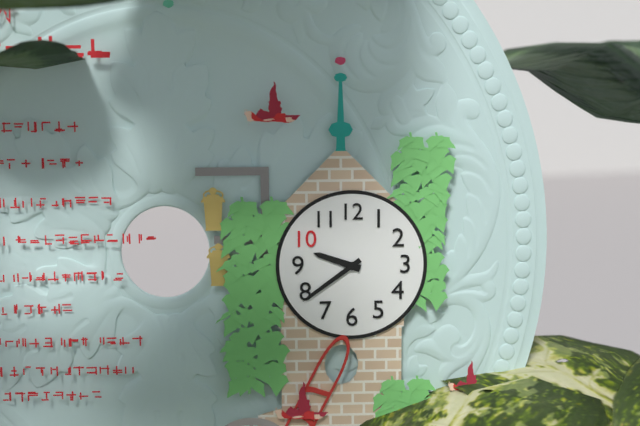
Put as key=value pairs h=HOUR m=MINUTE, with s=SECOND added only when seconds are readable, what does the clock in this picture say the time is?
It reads h=9 m=39
